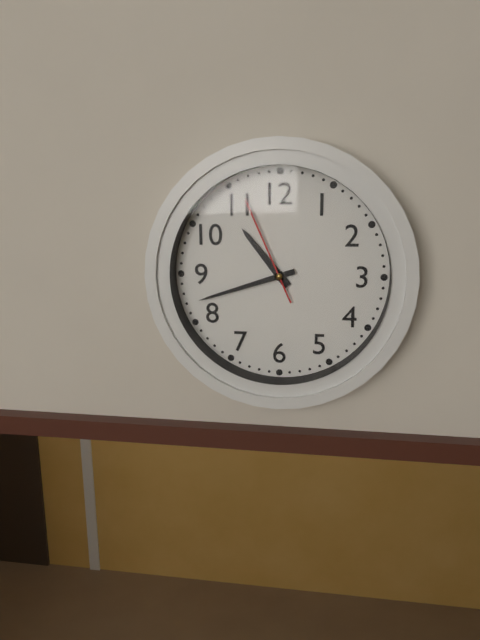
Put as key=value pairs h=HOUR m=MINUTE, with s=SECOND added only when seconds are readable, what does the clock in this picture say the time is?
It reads h=10 m=42 s=56
